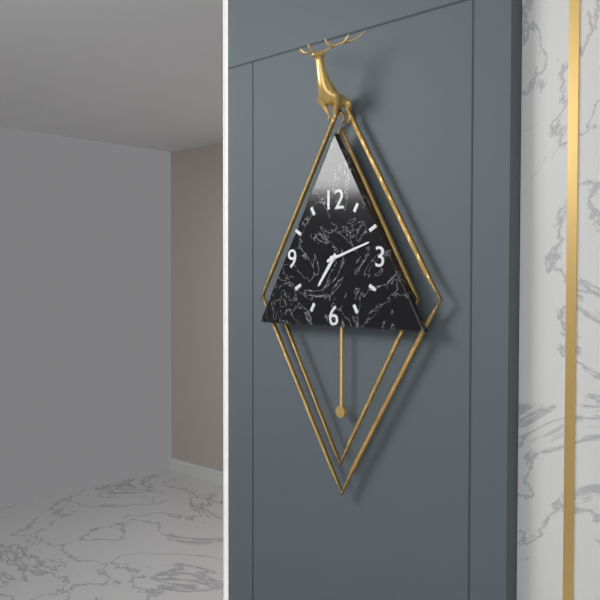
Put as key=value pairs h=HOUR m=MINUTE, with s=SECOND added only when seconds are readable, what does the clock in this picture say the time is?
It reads h=7 m=12
